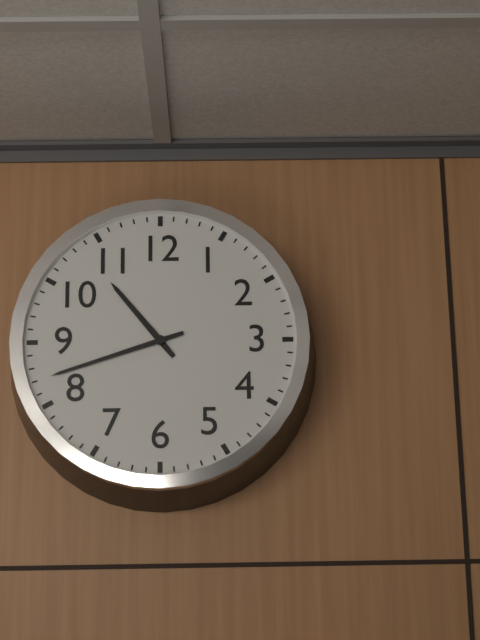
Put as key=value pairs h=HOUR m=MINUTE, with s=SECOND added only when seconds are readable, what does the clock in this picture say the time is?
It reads h=10 m=42
